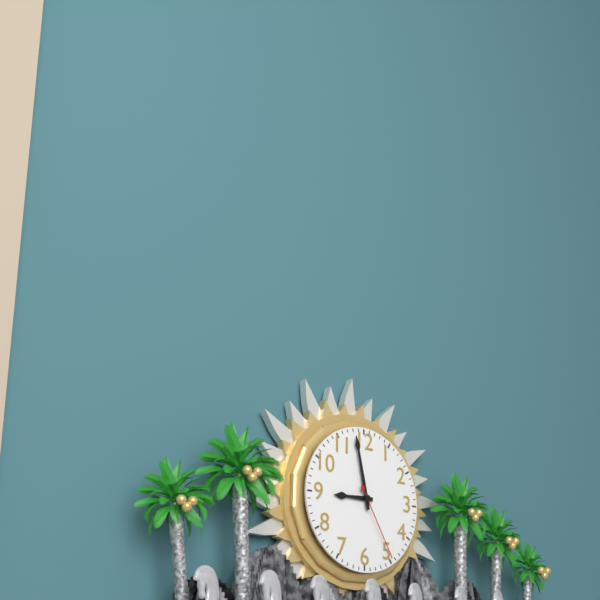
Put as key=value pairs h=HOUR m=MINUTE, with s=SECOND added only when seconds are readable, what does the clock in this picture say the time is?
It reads h=8 m=58 s=25
